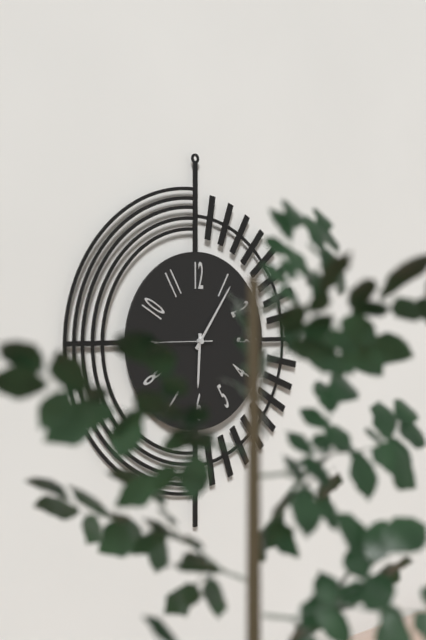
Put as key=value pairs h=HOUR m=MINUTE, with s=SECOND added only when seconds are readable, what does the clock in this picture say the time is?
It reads h=6 m=6 s=45
